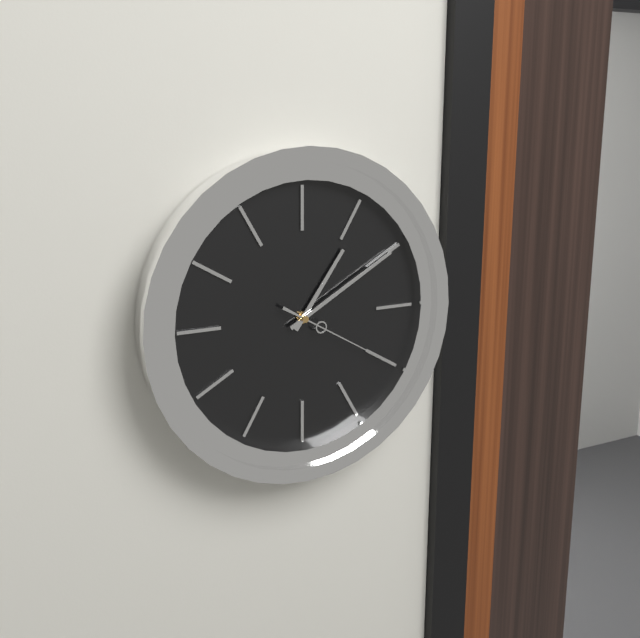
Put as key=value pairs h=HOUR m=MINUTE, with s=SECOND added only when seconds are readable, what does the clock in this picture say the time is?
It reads h=1 m=10 s=20
